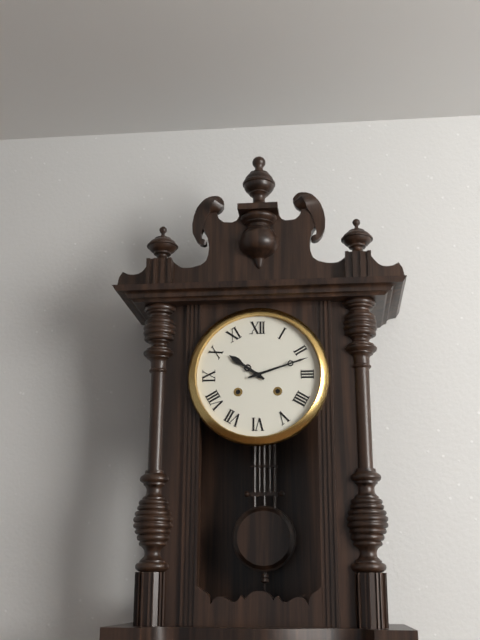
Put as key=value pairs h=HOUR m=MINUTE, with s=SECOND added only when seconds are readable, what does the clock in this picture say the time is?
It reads h=10 m=12
